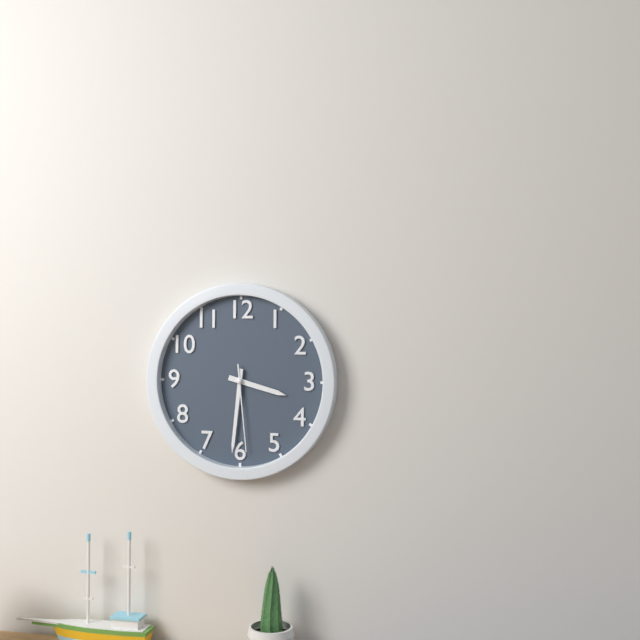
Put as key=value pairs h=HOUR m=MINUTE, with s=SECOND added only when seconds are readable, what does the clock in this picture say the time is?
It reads h=3 m=31 s=29
